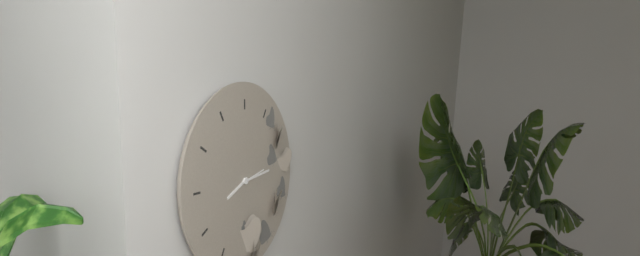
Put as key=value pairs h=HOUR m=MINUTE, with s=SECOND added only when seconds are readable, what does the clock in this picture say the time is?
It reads h=8 m=14
